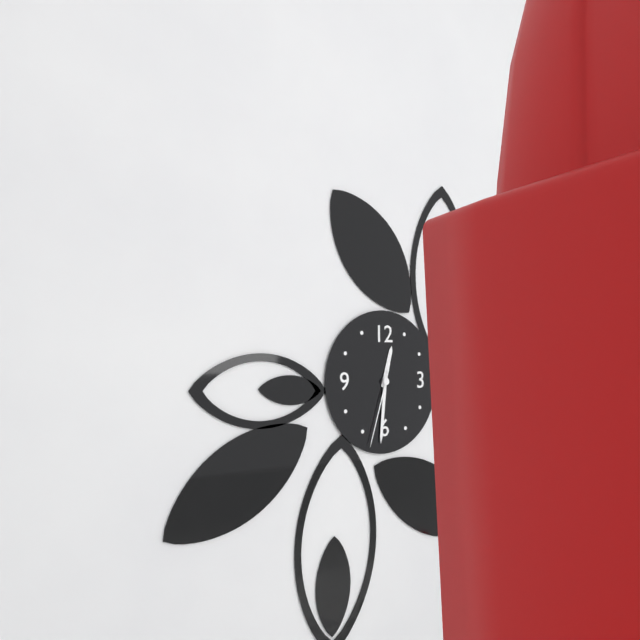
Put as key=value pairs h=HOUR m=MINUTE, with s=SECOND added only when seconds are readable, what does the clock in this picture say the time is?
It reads h=12 m=31 s=33
